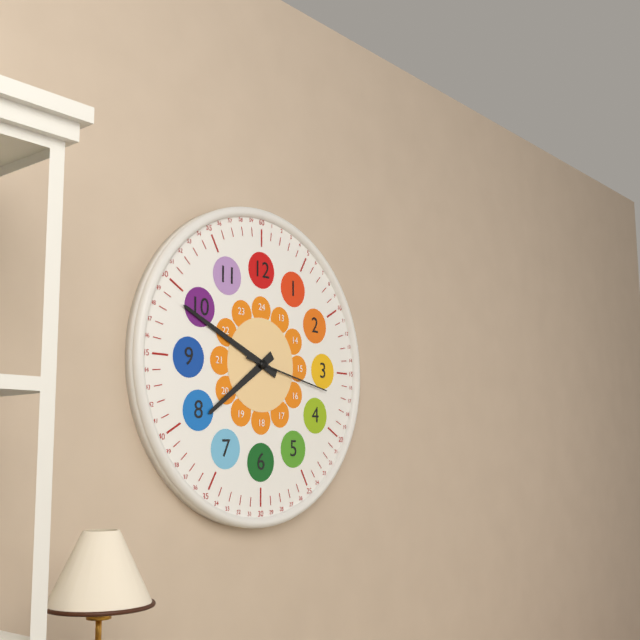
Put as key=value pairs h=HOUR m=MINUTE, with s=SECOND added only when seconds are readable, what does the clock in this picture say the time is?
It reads h=7 m=49 s=17
